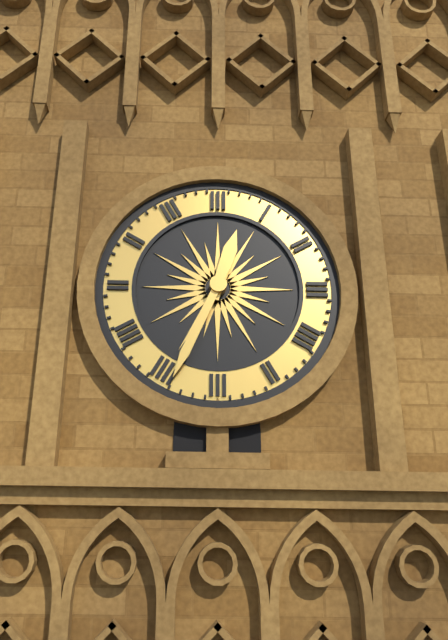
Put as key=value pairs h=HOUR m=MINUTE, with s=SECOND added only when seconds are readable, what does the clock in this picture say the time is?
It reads h=12 m=34
